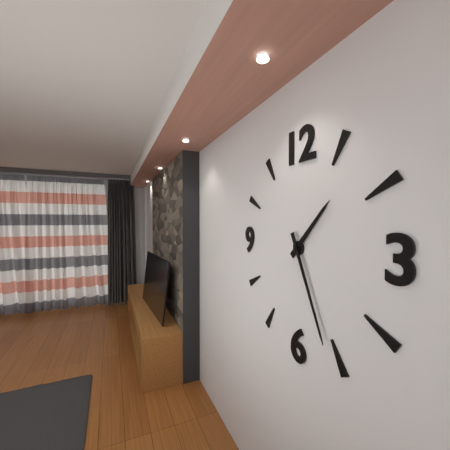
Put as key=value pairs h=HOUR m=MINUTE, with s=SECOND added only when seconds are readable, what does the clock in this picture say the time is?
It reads h=1 m=26
